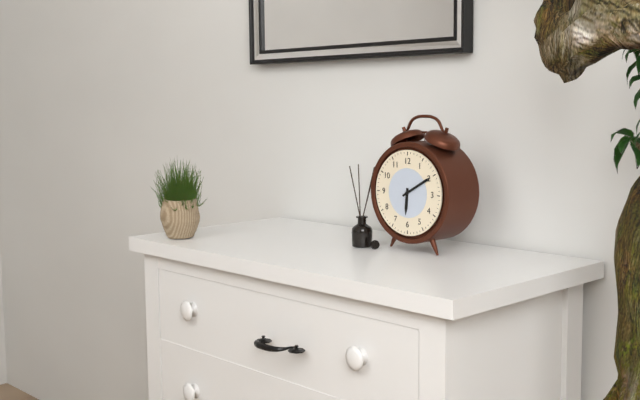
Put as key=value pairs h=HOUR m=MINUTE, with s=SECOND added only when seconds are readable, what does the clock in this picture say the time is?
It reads h=6 m=10
